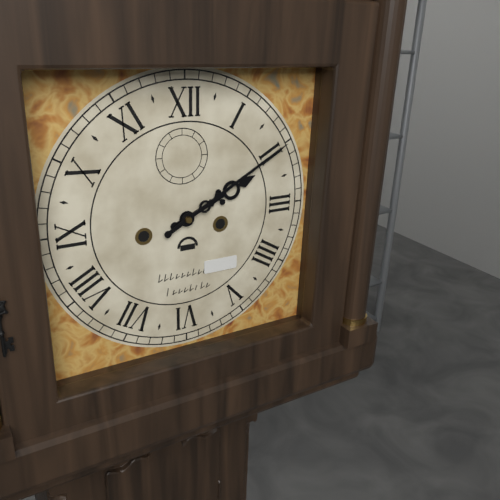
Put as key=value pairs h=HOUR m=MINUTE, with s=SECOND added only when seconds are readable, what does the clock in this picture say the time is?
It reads h=2 m=10
